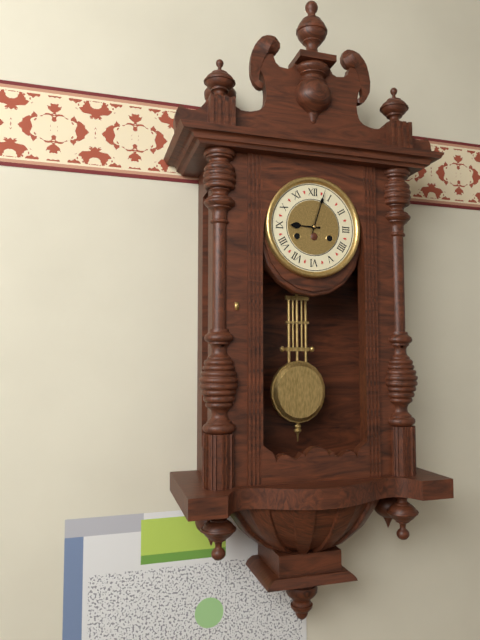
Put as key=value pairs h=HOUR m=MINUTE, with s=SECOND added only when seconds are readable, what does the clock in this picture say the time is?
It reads h=9 m=3
